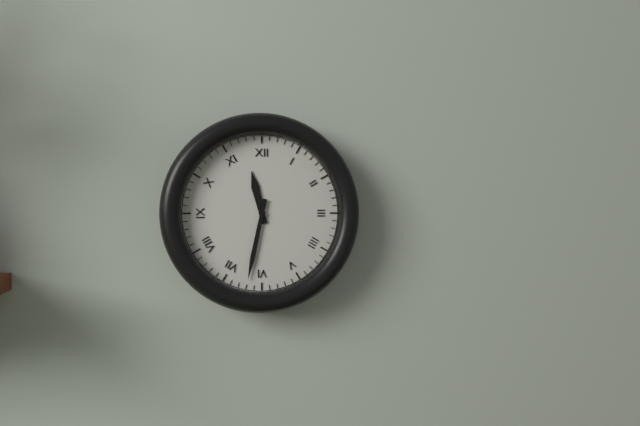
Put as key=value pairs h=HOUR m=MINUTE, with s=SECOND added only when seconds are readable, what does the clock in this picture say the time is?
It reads h=11 m=32
